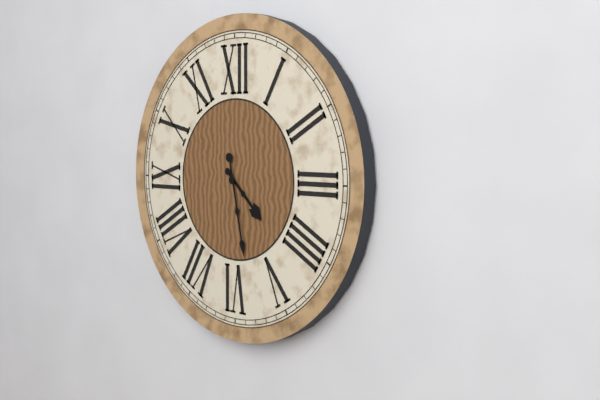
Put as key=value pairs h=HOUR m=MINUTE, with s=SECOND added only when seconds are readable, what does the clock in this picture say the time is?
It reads h=4 m=28
